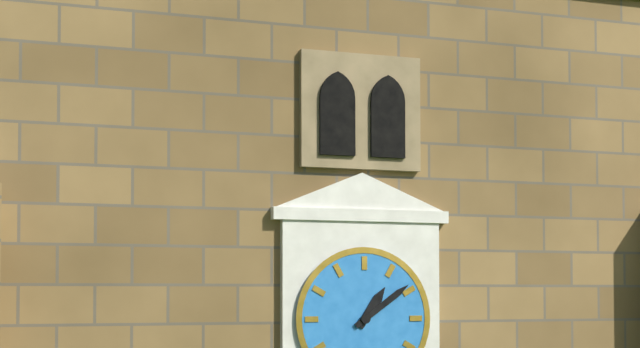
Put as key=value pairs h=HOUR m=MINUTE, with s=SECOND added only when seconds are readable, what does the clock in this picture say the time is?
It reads h=1 m=9
